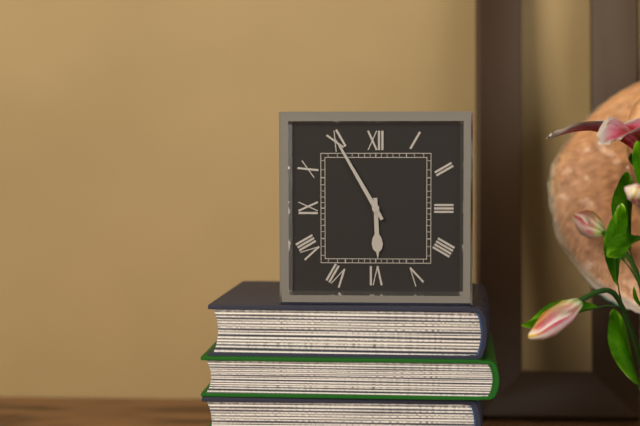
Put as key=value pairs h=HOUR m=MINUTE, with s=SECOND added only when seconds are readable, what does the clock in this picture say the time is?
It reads h=5 m=55
